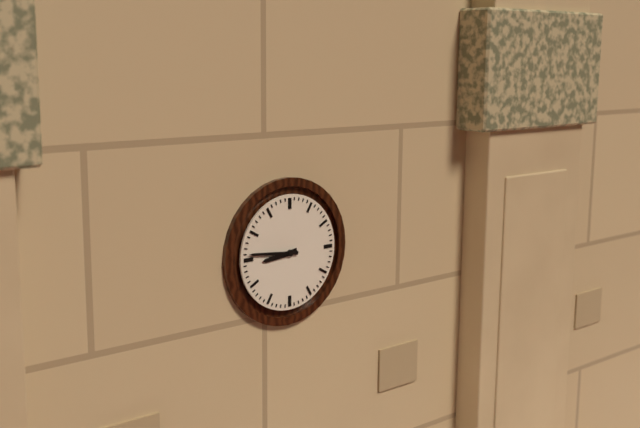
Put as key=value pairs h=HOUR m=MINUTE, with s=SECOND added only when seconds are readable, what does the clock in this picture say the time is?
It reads h=8 m=46
